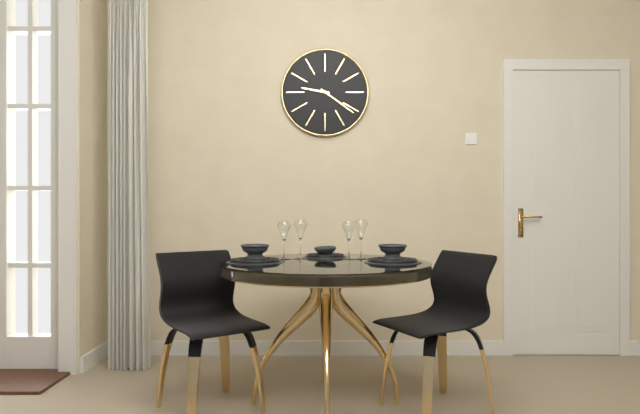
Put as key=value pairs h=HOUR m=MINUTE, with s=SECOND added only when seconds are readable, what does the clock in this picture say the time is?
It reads h=9 m=21
